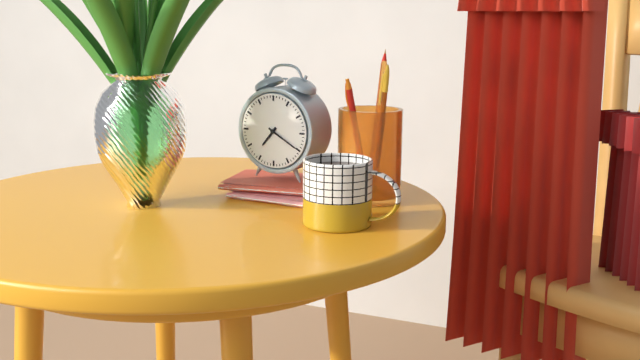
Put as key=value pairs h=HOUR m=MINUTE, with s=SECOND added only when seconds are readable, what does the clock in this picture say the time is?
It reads h=7 m=20
